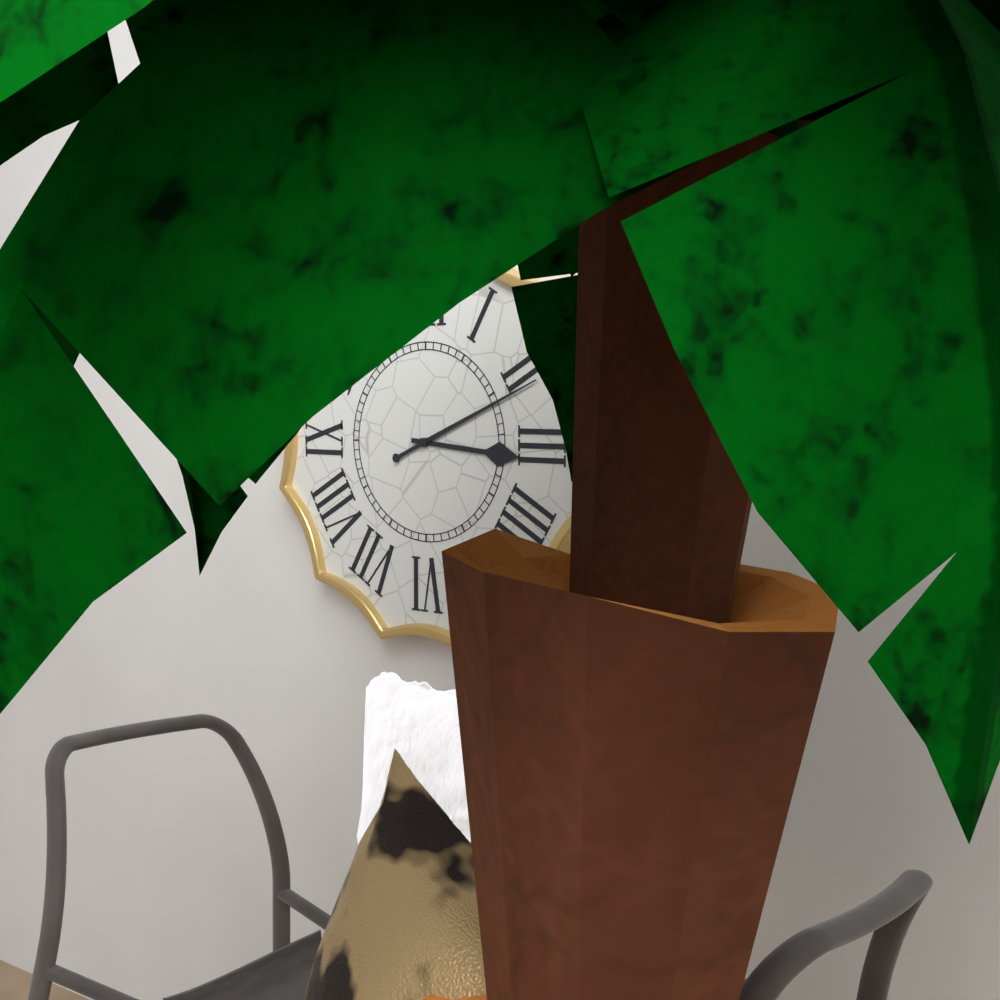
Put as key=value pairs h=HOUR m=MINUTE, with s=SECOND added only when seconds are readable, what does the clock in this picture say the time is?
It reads h=3 m=11
